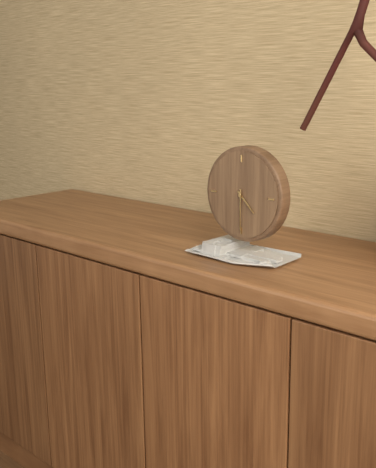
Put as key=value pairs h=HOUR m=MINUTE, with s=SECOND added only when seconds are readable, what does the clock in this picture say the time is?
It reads h=4 m=30
